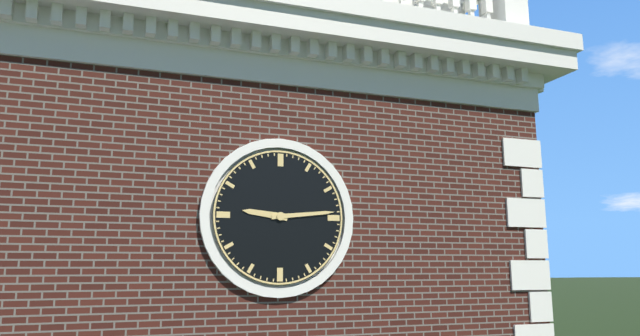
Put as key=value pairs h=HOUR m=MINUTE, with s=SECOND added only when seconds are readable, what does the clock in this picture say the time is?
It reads h=9 m=14
